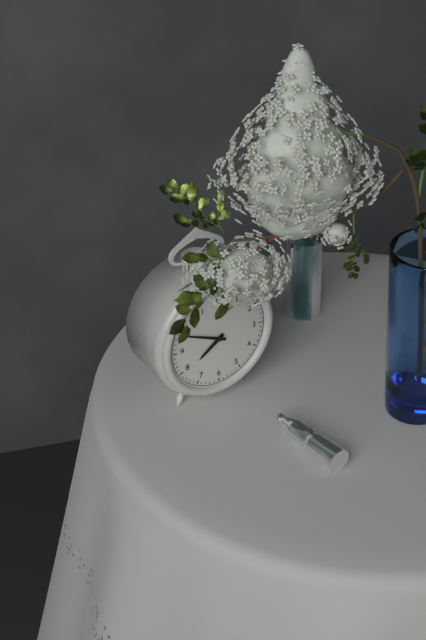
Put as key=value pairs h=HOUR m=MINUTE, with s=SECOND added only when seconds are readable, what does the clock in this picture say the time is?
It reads h=7 m=49
